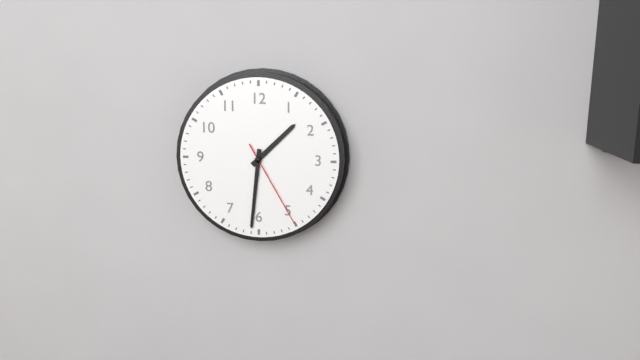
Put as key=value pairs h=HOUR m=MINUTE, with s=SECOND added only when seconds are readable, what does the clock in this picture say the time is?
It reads h=1 m=31 s=25
